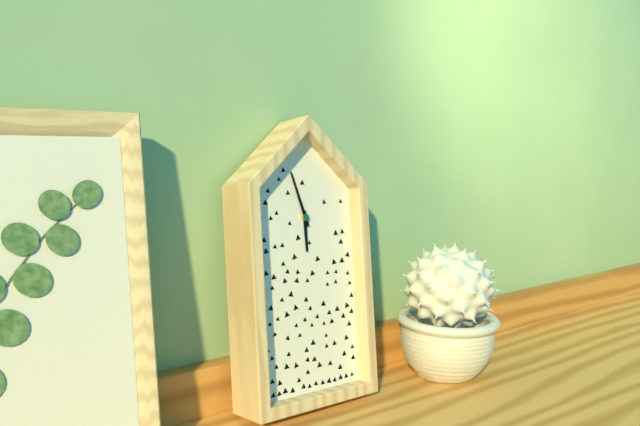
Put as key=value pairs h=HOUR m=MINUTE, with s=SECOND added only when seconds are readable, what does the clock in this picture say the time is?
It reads h=5 m=57
